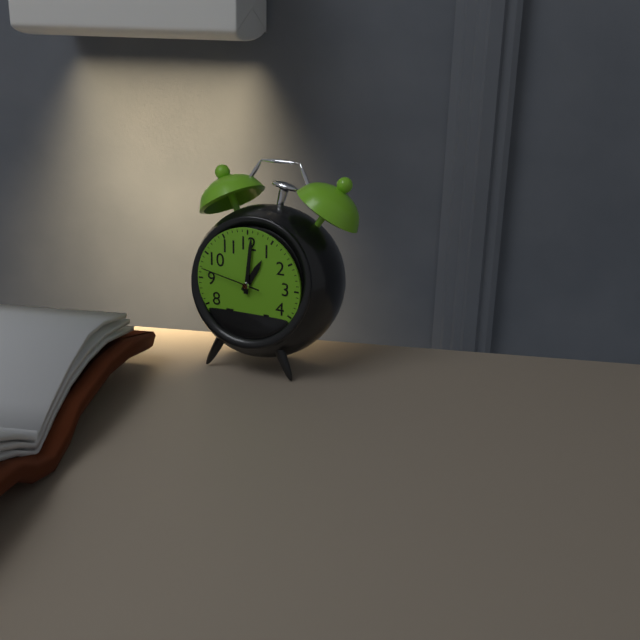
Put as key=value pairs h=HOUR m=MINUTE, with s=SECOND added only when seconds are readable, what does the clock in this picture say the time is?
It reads h=1 m=1 s=47
